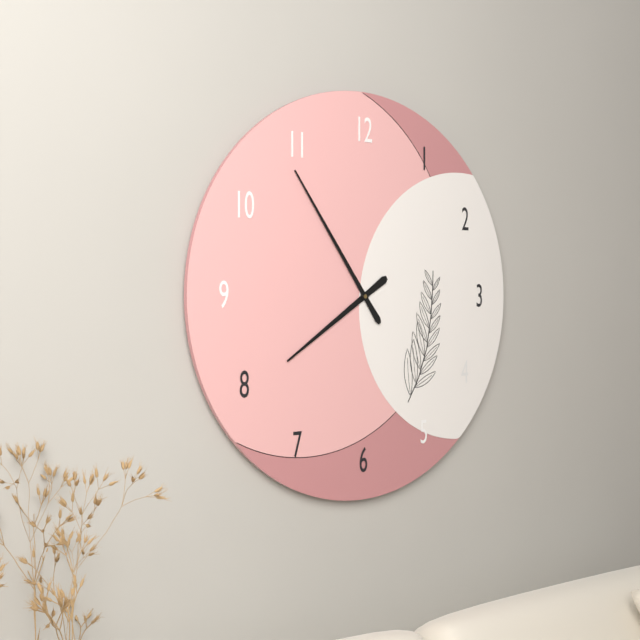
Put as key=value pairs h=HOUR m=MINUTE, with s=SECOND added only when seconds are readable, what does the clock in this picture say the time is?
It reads h=7 m=54
